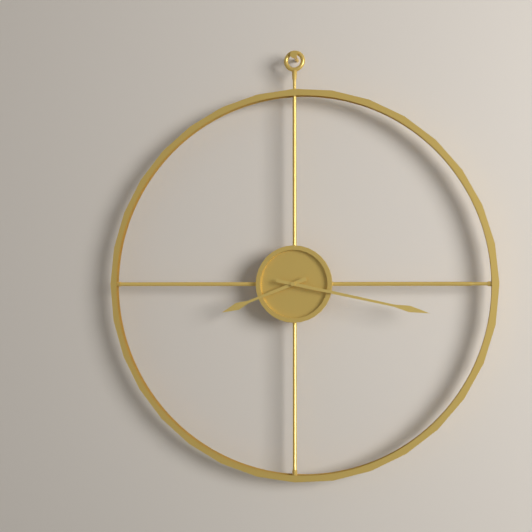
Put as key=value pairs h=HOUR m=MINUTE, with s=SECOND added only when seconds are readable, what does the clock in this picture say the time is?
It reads h=8 m=17
